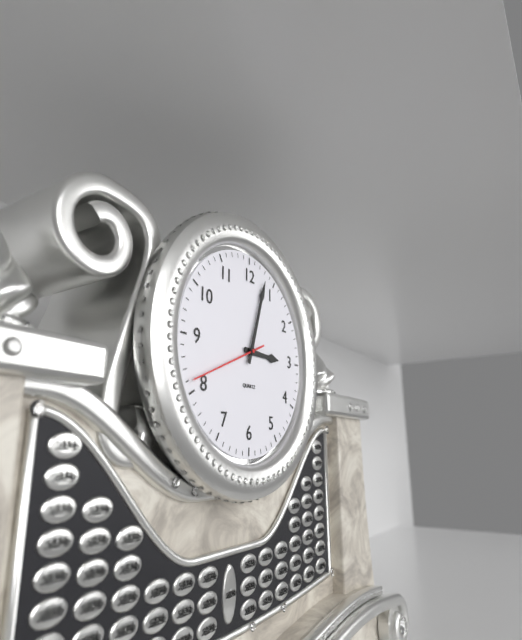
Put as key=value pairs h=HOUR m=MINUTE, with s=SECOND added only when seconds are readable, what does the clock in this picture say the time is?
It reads h=3 m=3 s=41
